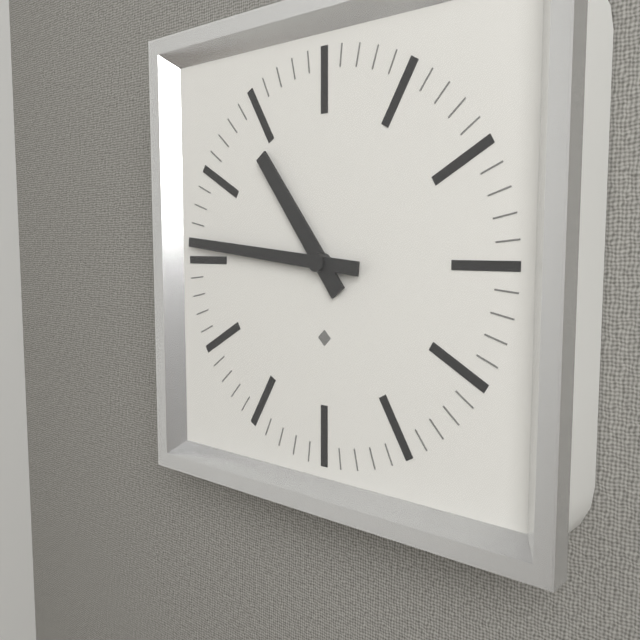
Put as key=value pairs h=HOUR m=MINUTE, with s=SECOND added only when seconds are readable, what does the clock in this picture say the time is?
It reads h=10 m=46
